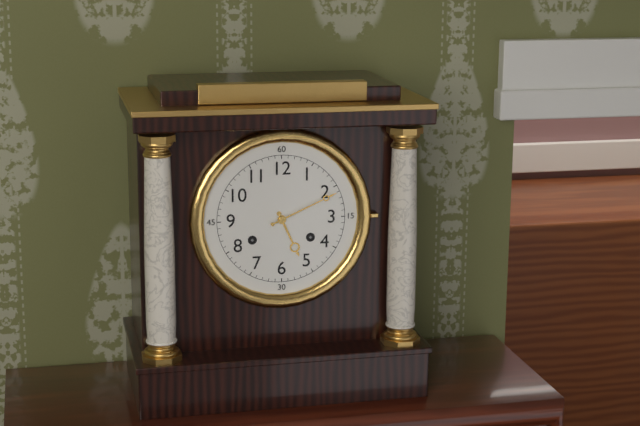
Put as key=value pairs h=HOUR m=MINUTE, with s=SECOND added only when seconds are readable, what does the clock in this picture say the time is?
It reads h=5 m=11
